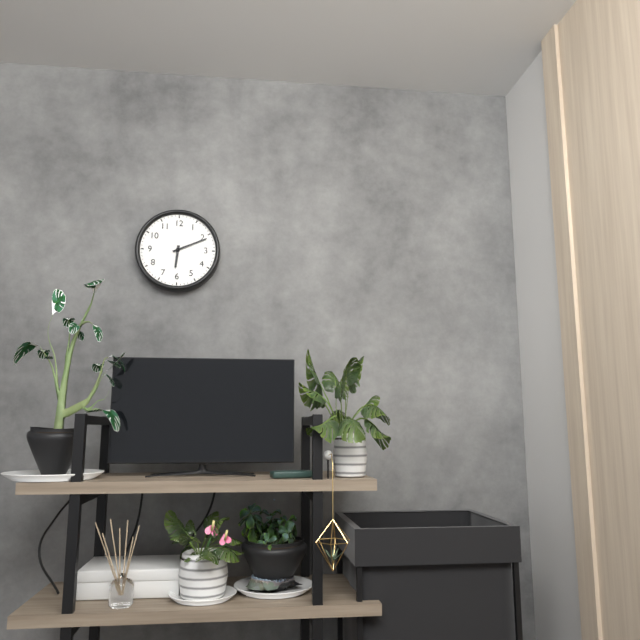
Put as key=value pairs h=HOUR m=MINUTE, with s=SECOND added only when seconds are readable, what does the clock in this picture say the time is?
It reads h=6 m=11
